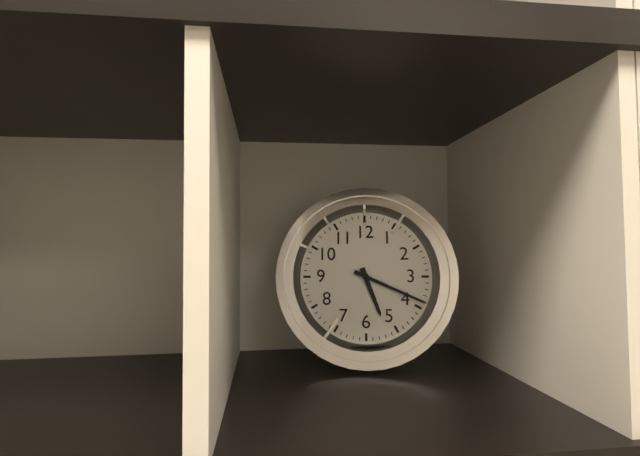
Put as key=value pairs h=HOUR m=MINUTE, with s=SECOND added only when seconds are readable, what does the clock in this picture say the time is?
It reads h=5 m=19
